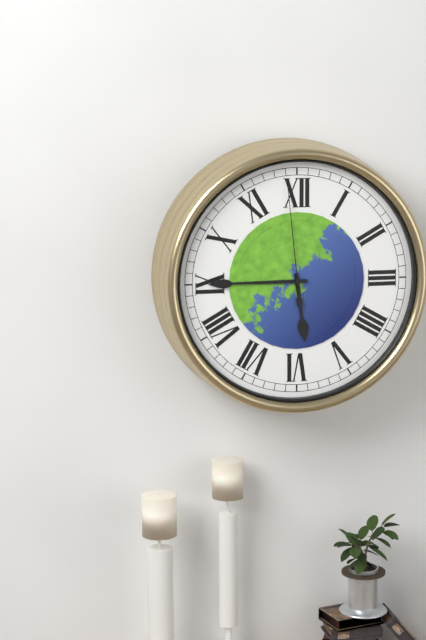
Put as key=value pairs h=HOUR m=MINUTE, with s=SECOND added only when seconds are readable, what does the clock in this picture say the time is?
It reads h=5 m=45 s=59
